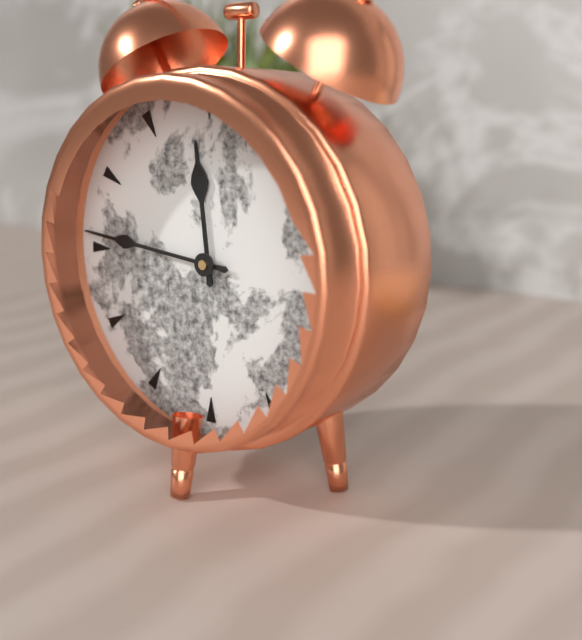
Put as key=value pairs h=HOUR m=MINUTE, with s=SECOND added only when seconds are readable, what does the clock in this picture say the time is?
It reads h=11 m=46
